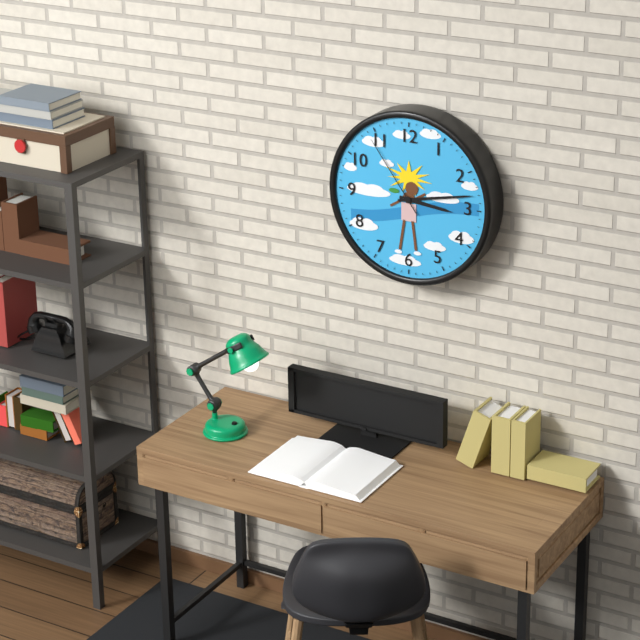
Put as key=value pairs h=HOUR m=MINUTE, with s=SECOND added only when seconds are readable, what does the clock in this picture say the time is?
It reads h=3 m=13 s=54
